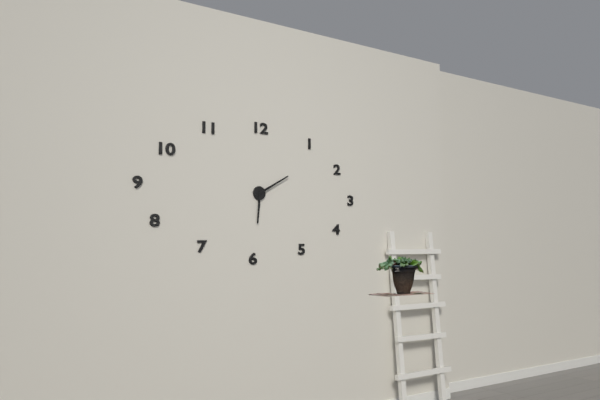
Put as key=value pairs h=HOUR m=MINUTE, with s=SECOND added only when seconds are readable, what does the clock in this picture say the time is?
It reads h=6 m=10
